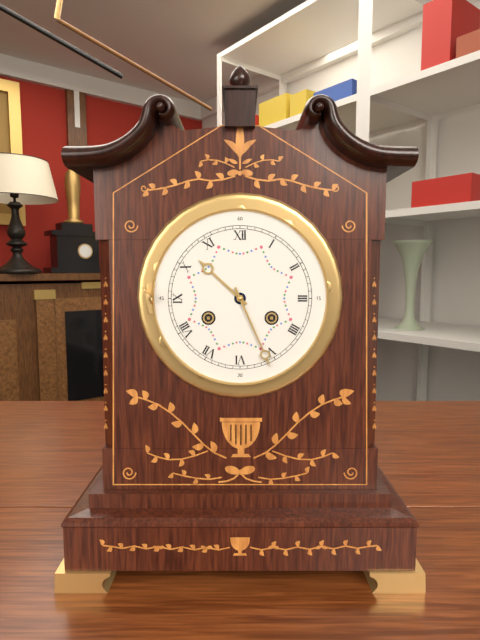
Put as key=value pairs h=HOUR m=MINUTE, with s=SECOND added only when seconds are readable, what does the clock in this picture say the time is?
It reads h=10 m=26
